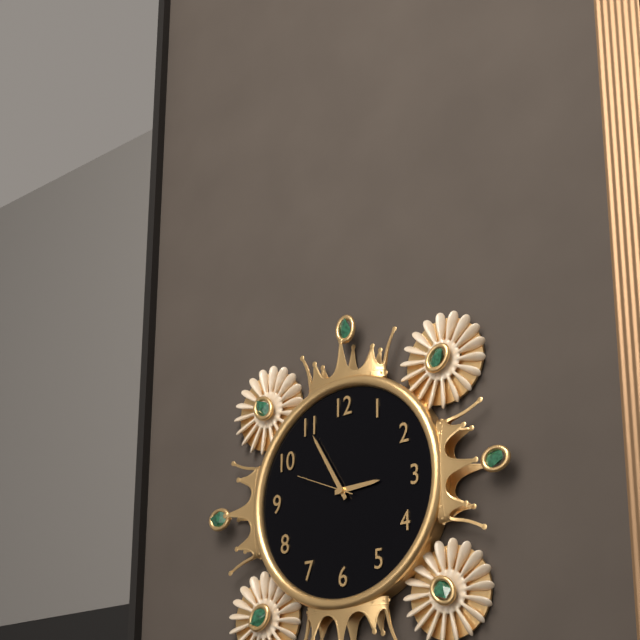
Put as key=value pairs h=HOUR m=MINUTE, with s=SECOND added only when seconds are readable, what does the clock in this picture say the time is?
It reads h=2 m=55 s=49
